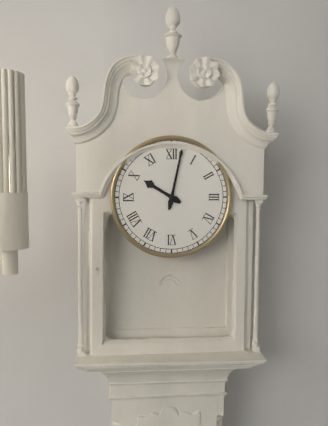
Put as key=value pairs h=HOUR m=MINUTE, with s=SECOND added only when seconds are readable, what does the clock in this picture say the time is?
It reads h=10 m=2
